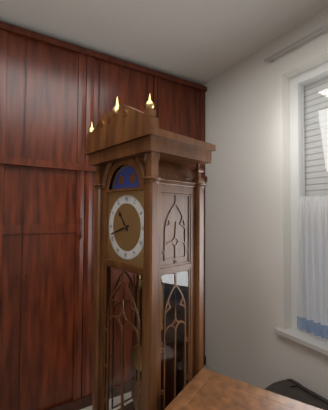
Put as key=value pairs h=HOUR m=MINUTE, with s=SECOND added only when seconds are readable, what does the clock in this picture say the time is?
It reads h=10 m=42
